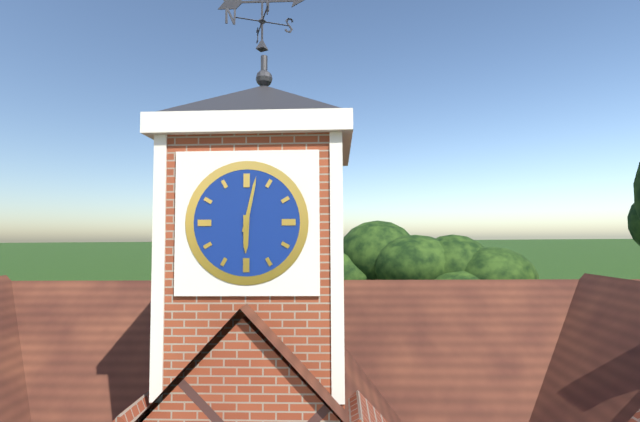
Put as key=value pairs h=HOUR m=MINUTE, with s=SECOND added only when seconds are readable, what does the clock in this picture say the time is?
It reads h=6 m=2
